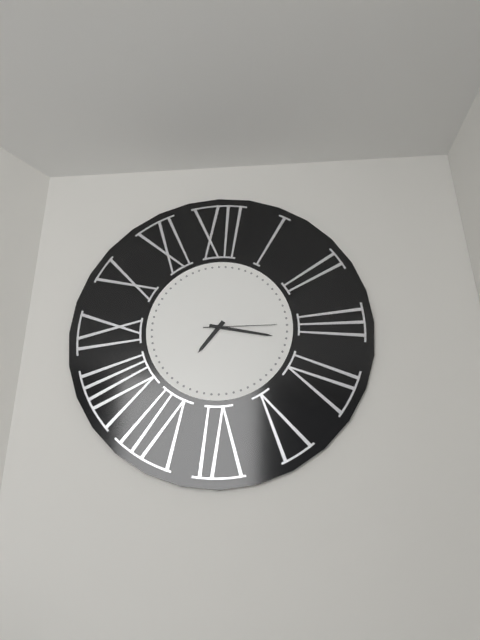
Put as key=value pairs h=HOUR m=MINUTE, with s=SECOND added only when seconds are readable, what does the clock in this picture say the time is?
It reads h=7 m=17 s=15
